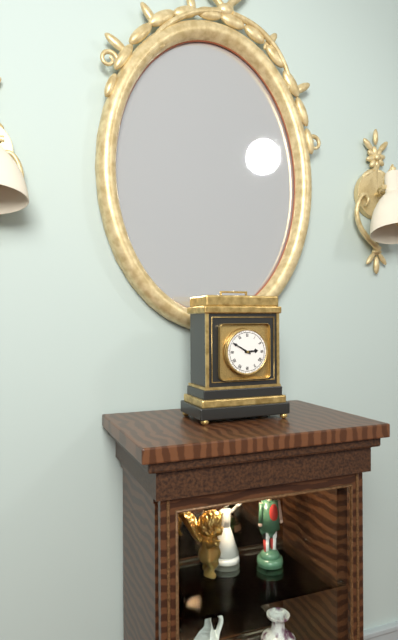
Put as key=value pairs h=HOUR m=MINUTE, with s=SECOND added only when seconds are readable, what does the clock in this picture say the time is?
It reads h=2 m=50
